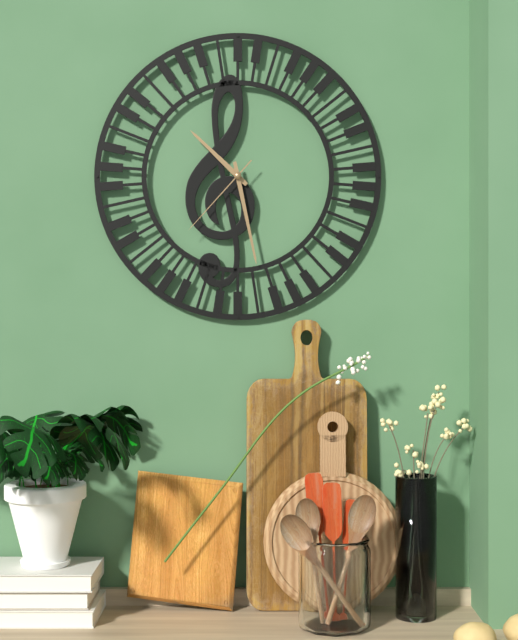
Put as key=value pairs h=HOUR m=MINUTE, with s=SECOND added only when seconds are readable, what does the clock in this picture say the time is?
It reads h=10 m=28 s=37
